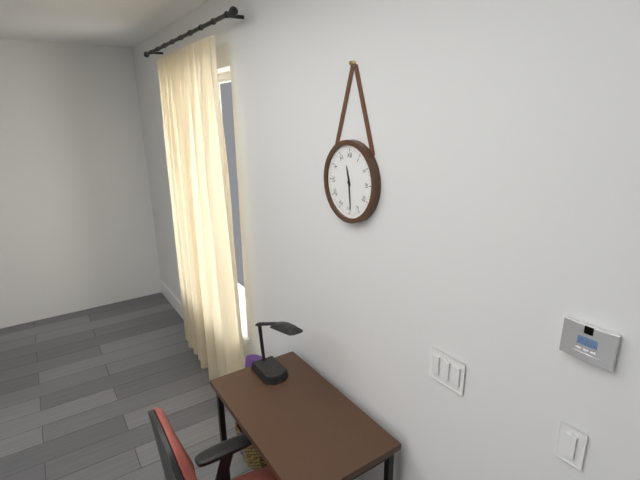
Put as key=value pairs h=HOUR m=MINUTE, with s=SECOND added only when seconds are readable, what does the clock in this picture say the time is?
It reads h=11 m=29
